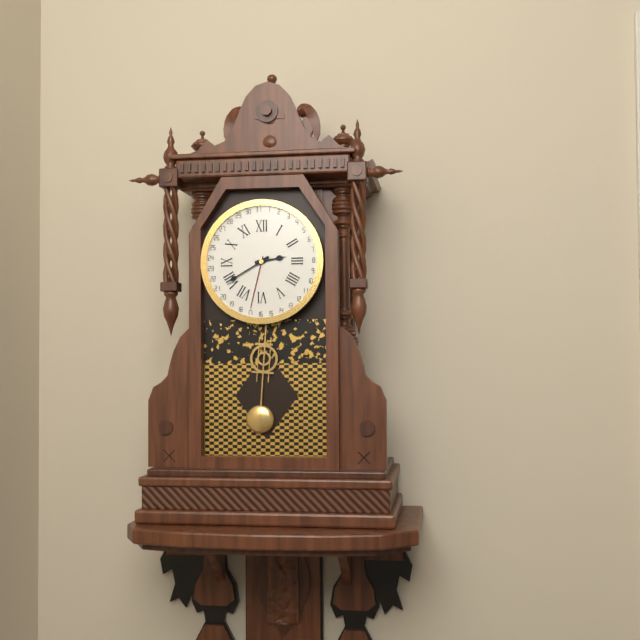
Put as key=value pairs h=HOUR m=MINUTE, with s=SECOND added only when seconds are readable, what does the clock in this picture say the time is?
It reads h=2 m=40
